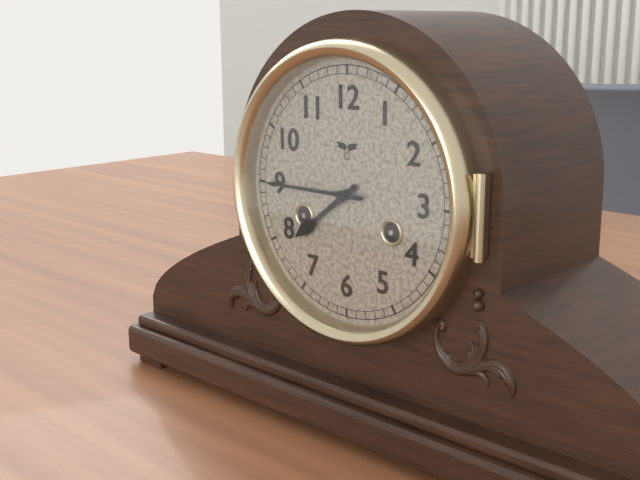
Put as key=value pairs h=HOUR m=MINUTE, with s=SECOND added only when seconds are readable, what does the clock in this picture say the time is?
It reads h=7 m=45
